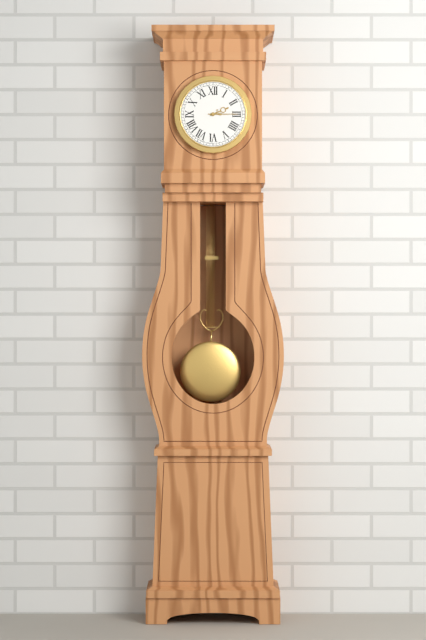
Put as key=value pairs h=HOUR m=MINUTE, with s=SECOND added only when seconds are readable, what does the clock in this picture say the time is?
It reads h=2 m=15
